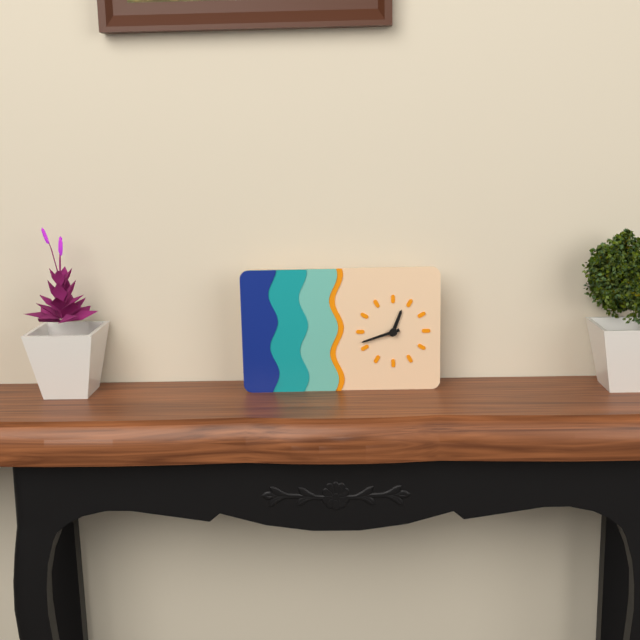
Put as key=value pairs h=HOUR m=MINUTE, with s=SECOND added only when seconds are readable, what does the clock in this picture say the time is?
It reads h=12 m=42
